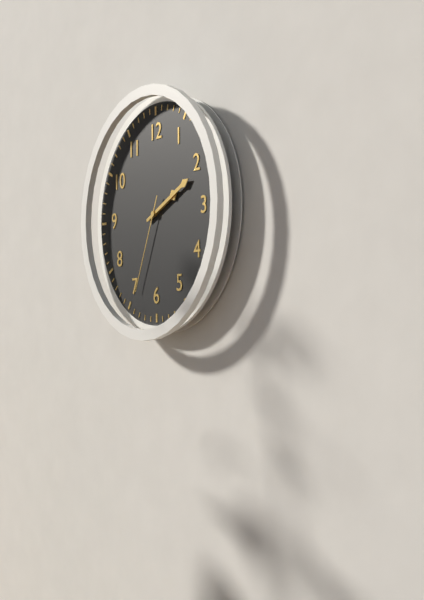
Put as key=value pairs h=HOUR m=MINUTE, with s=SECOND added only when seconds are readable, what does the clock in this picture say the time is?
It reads h=2 m=11 s=34
